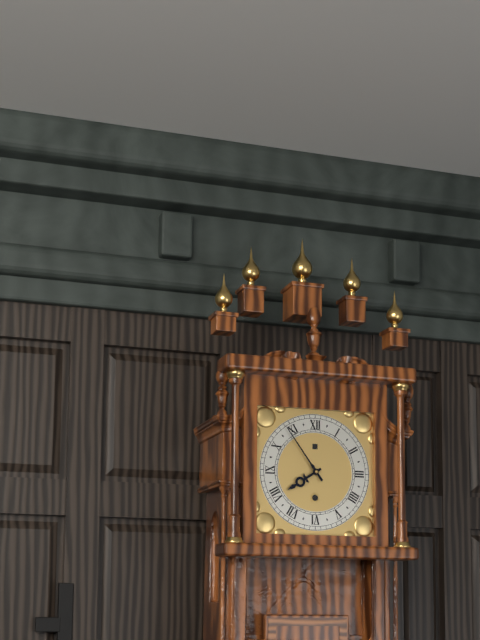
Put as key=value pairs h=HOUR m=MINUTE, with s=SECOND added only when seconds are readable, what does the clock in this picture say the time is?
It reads h=7 m=54
